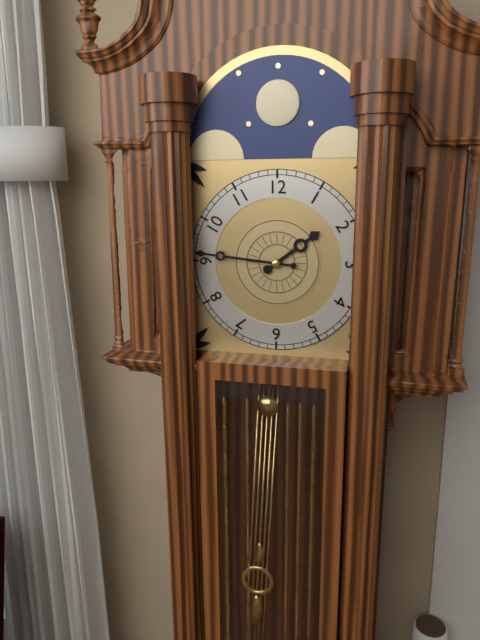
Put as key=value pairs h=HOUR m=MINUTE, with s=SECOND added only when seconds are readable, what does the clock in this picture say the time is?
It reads h=1 m=46
